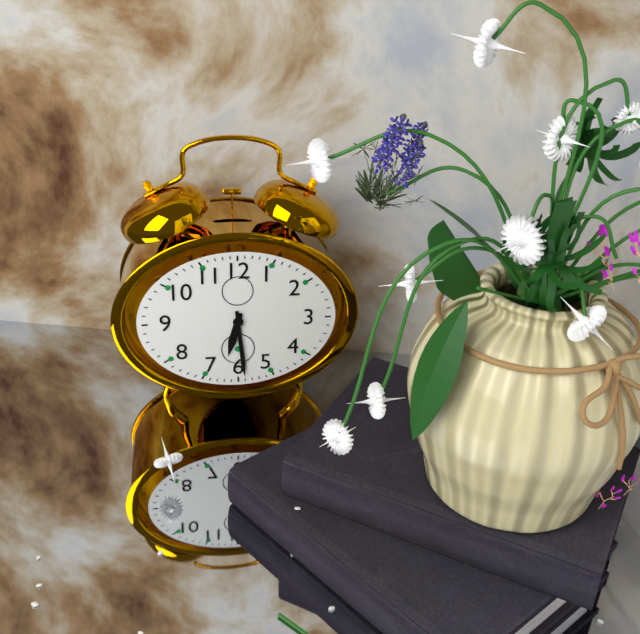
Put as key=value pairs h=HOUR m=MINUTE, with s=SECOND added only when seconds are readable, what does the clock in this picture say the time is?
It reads h=6 m=29
